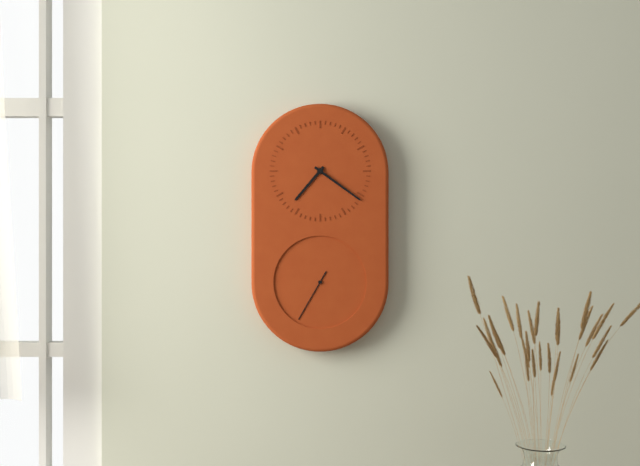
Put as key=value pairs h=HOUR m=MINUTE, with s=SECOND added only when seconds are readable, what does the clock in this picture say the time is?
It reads h=7 m=21 s=35
